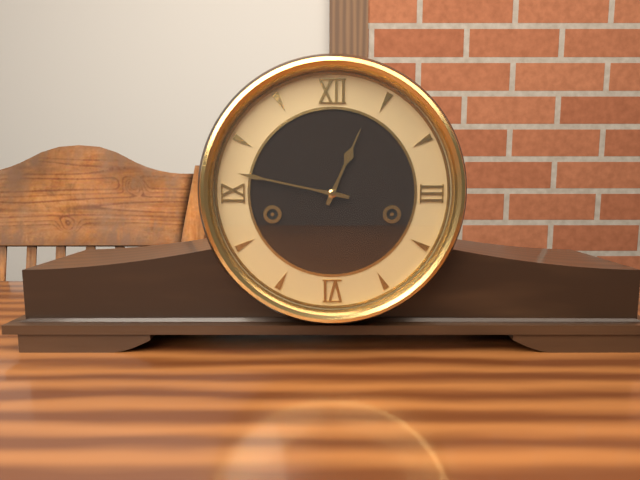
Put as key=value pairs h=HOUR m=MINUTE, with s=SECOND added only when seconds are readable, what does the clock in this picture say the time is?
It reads h=12 m=47
